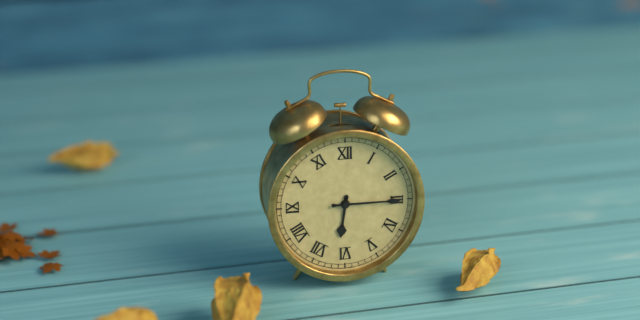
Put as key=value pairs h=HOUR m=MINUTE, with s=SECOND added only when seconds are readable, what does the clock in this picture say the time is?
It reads h=6 m=15
